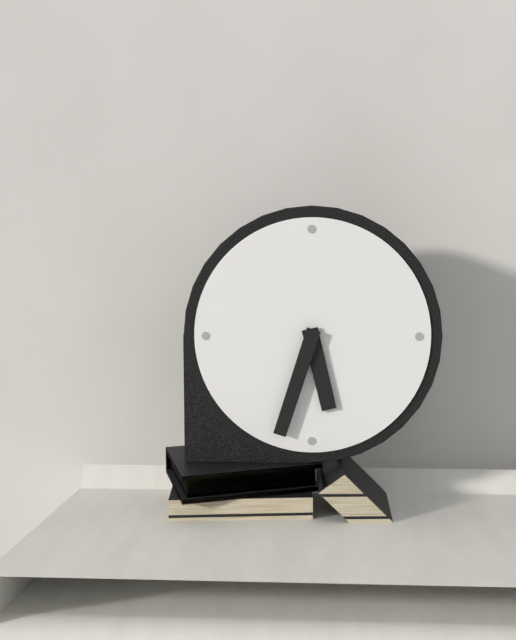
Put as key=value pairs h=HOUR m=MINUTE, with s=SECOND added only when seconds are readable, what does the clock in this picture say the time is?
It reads h=5 m=33
